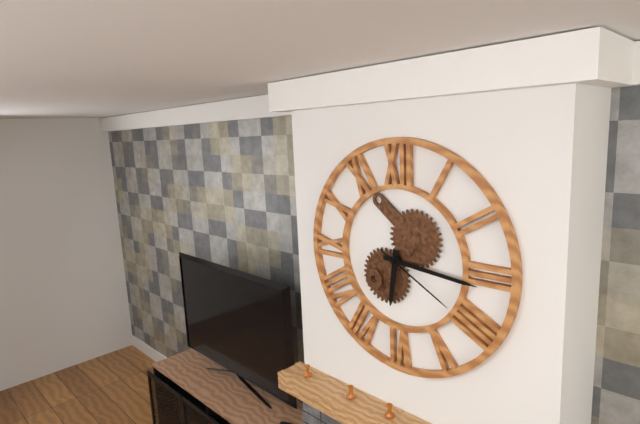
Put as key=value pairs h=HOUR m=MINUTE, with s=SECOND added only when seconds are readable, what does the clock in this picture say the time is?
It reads h=6 m=16 s=20
